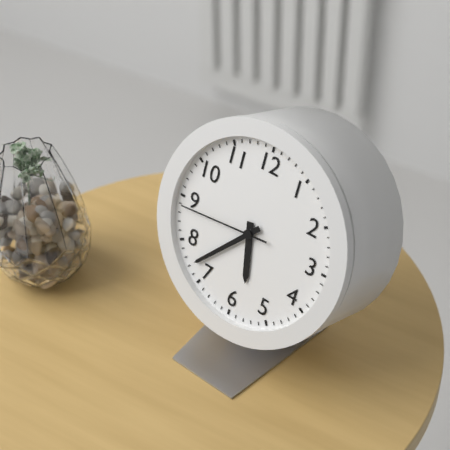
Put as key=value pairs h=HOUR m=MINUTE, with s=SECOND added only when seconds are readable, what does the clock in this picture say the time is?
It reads h=5 m=37 s=44
